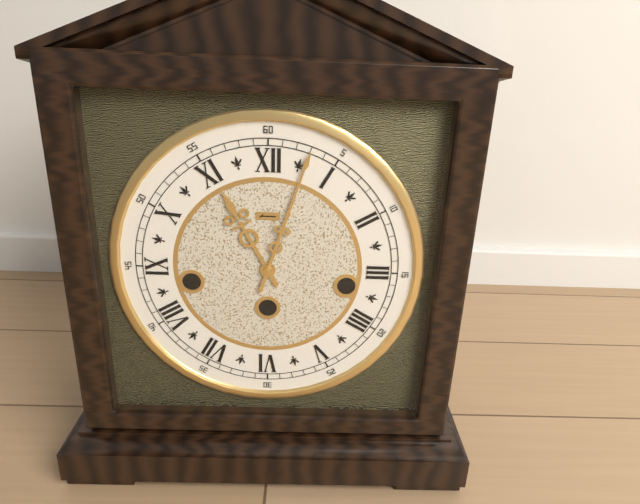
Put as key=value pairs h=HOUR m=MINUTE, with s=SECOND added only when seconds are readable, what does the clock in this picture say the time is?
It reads h=11 m=3
